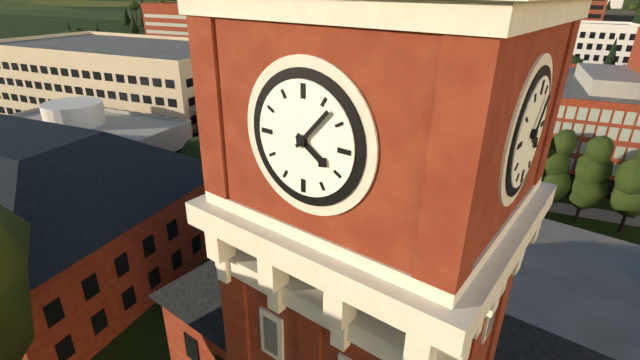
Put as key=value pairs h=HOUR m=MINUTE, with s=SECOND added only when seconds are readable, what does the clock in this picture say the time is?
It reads h=4 m=7
